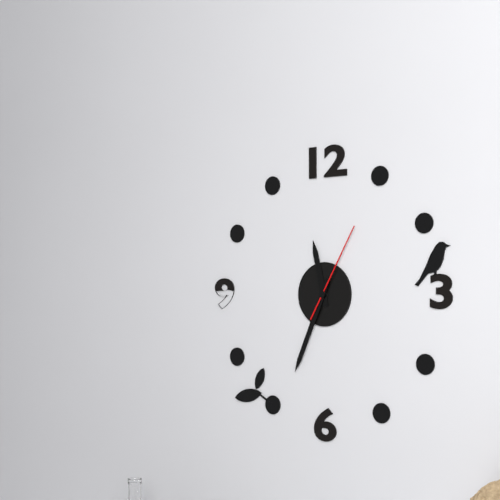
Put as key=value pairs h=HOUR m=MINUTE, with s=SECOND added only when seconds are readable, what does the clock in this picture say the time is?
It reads h=11 m=34 s=5
